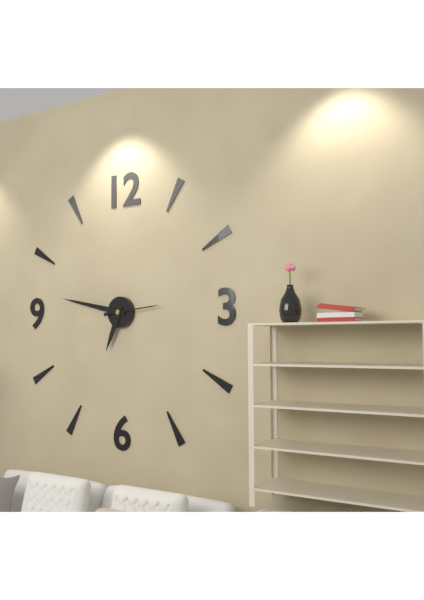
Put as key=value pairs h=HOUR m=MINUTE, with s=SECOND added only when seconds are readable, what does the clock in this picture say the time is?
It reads h=6 m=47
